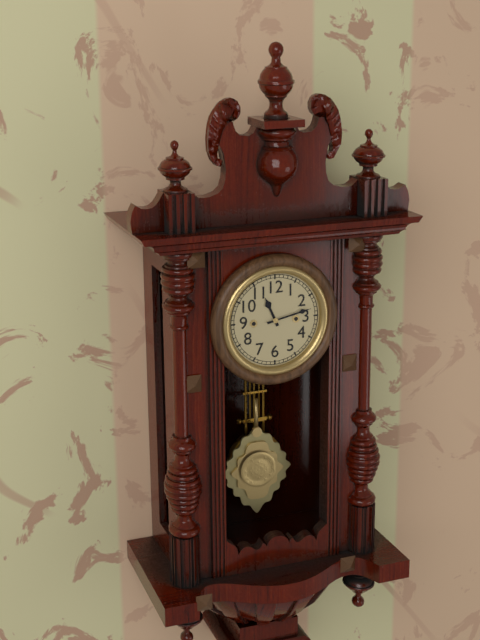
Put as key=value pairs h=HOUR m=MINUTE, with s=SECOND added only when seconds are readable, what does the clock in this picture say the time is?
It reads h=11 m=13
